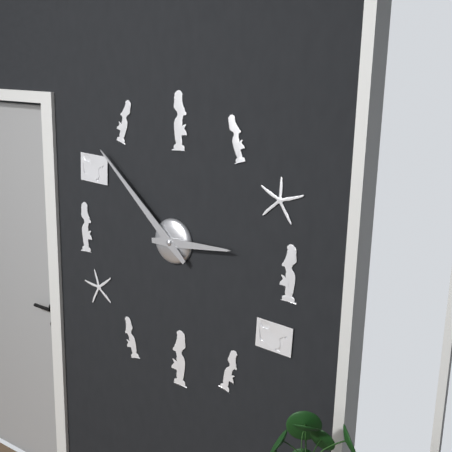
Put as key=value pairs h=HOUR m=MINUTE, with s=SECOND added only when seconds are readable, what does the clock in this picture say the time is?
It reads h=2 m=52
